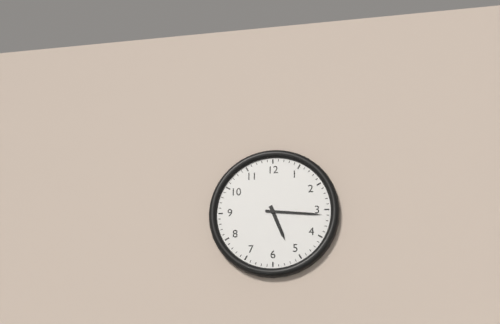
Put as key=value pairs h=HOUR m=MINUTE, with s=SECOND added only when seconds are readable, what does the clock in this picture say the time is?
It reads h=5 m=16
